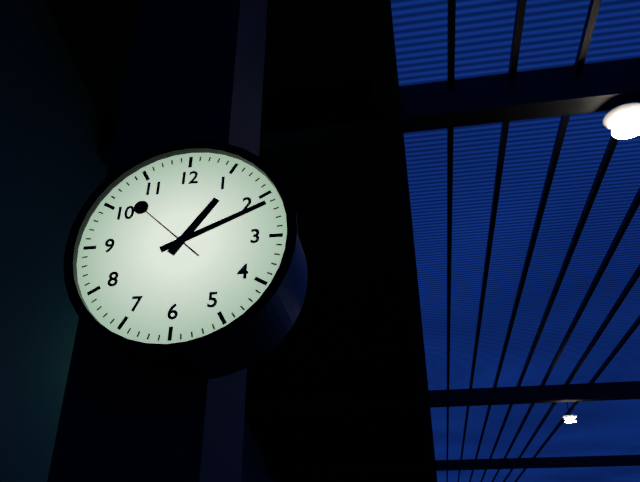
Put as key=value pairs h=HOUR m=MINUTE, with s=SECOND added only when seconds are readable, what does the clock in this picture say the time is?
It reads h=1 m=11 s=52
